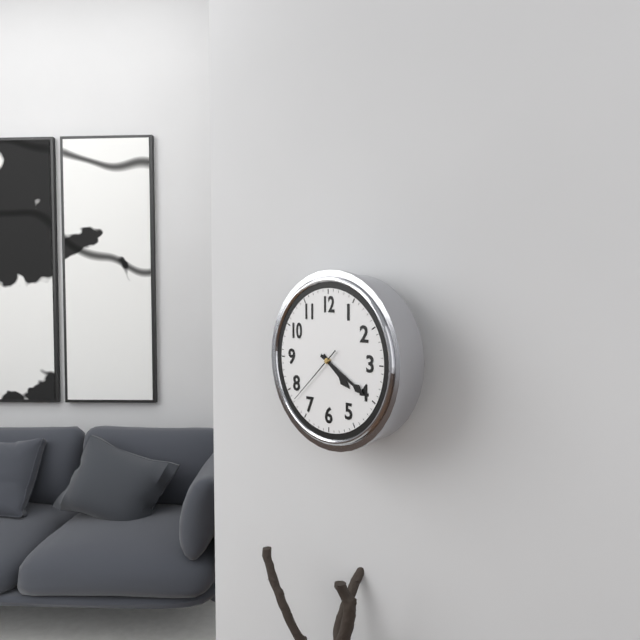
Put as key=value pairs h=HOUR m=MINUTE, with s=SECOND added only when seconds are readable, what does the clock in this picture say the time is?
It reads h=4 m=20 s=38
